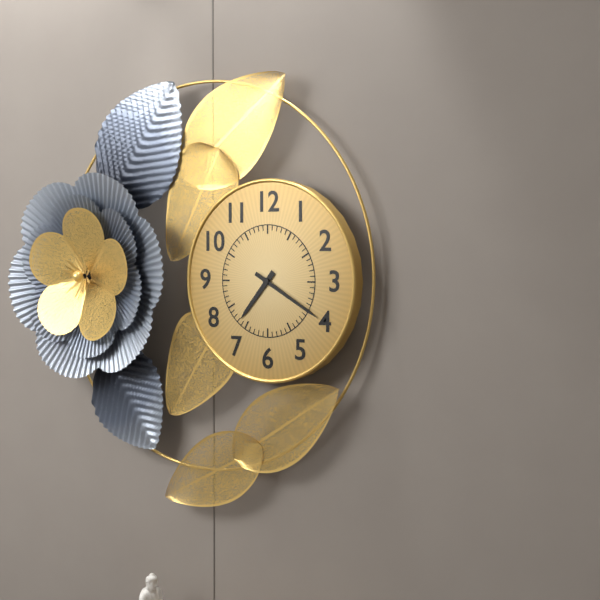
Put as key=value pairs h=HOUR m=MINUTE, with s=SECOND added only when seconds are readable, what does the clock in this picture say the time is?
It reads h=7 m=20
